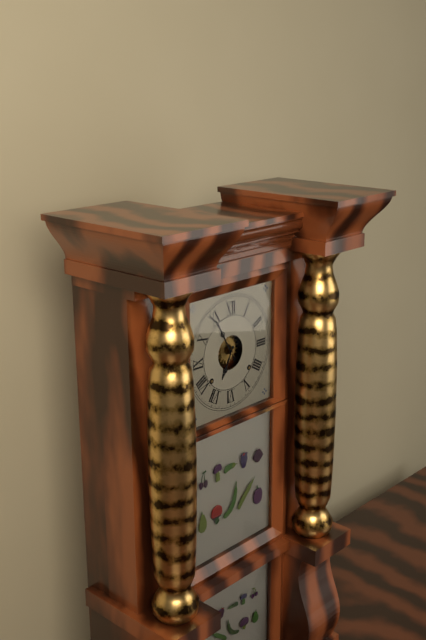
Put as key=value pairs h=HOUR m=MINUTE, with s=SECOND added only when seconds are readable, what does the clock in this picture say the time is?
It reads h=6 m=55
